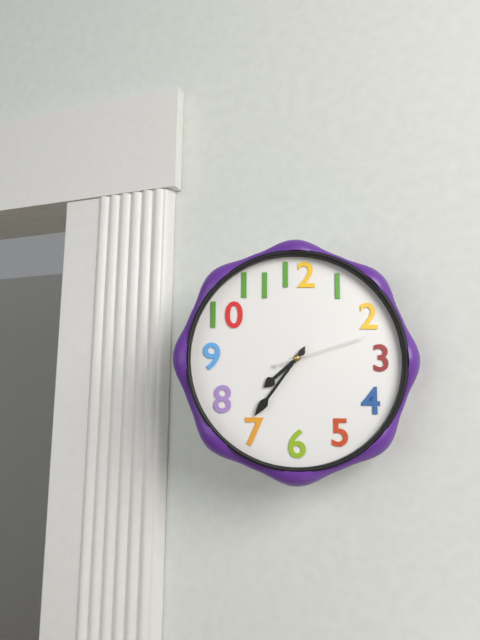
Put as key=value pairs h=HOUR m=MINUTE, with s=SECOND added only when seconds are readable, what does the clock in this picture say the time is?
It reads h=7 m=36 s=12
